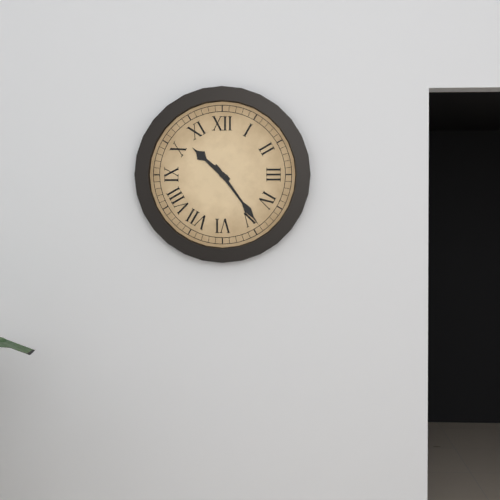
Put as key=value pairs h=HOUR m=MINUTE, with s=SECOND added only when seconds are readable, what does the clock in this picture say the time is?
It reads h=10 m=24
